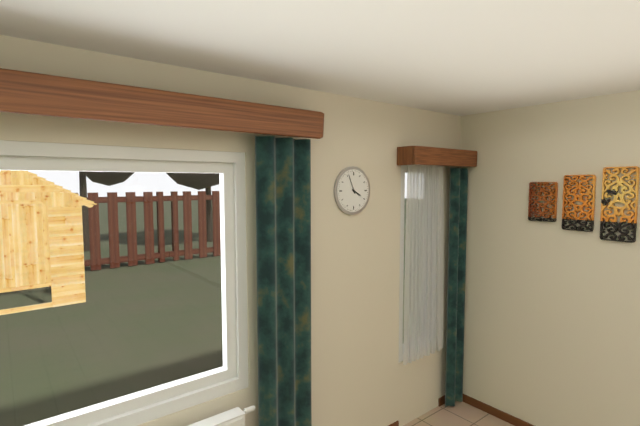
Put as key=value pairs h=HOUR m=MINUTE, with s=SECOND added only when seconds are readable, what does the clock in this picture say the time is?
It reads h=3 m=56
